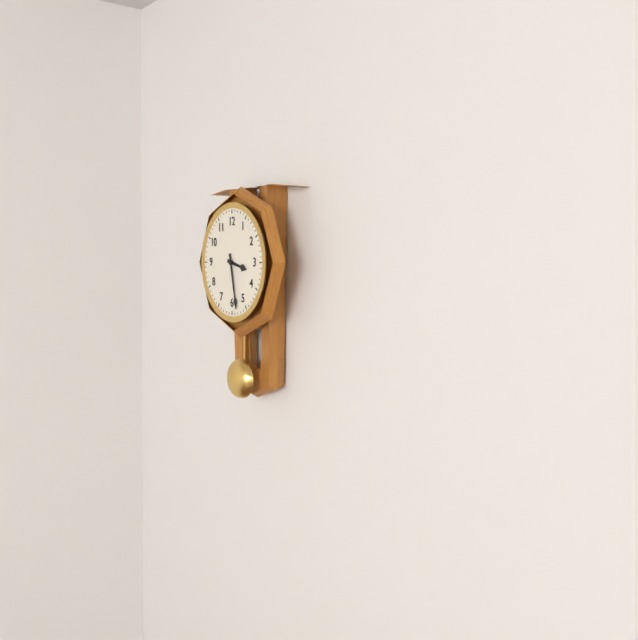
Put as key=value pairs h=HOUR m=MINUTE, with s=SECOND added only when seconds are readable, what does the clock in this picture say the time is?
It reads h=3 m=28
